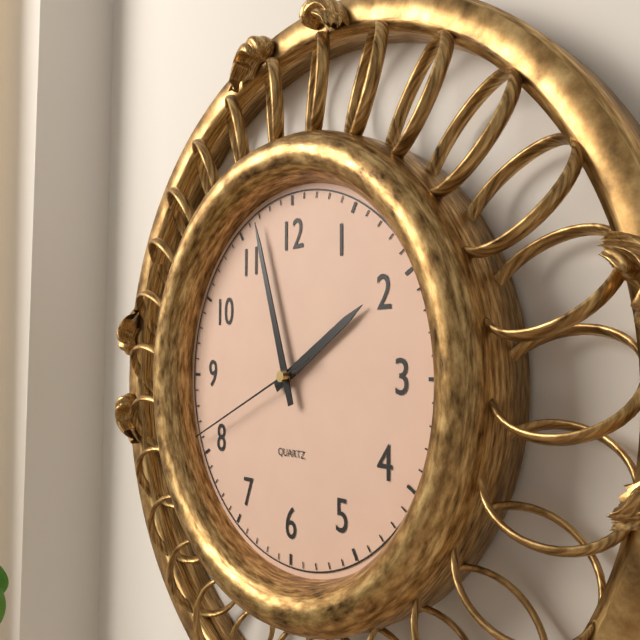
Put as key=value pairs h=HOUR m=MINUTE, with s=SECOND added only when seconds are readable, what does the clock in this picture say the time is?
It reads h=1 m=57 s=41
